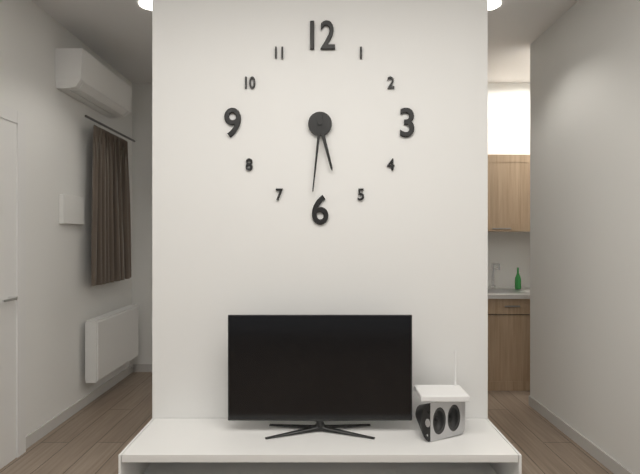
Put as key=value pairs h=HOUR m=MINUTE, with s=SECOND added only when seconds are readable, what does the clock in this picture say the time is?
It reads h=5 m=31
